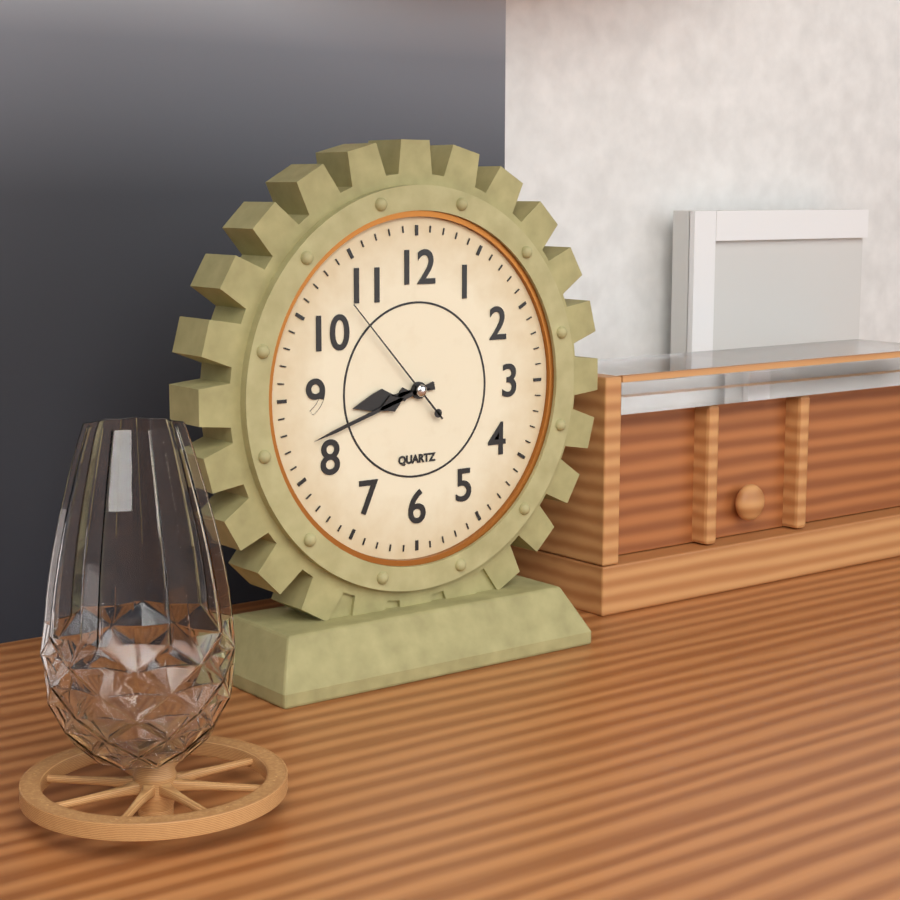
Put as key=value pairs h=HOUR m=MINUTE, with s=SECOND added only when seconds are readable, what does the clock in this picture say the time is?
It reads h=8 m=42 s=53
